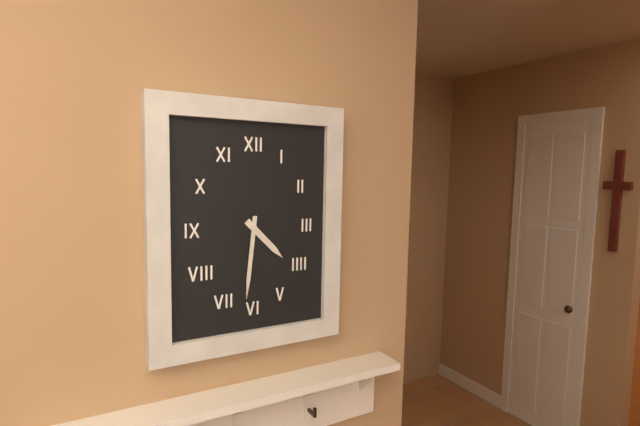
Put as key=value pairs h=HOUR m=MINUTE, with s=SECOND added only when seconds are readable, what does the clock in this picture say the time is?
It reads h=4 m=31
